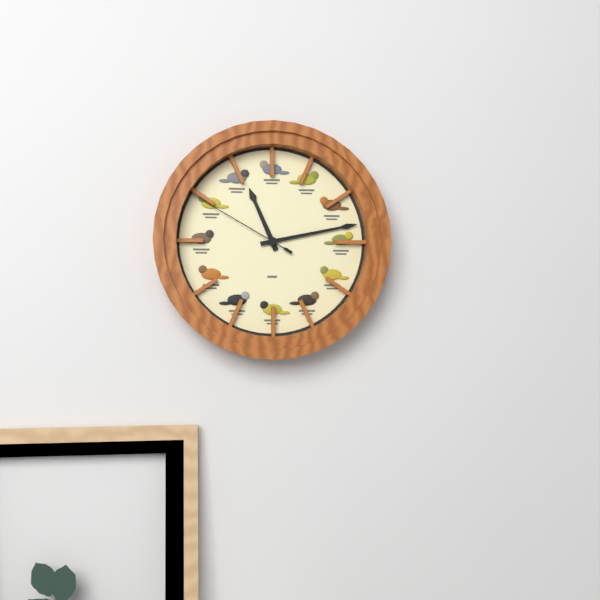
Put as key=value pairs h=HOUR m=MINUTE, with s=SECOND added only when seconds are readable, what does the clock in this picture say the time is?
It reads h=11 m=13 s=50
